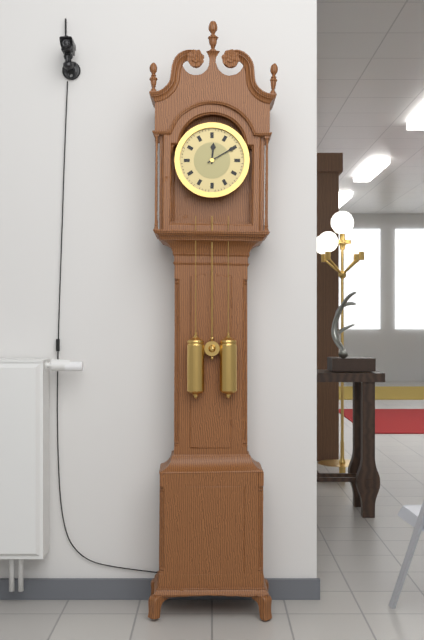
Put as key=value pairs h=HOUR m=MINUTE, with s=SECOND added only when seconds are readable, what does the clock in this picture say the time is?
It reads h=12 m=10
